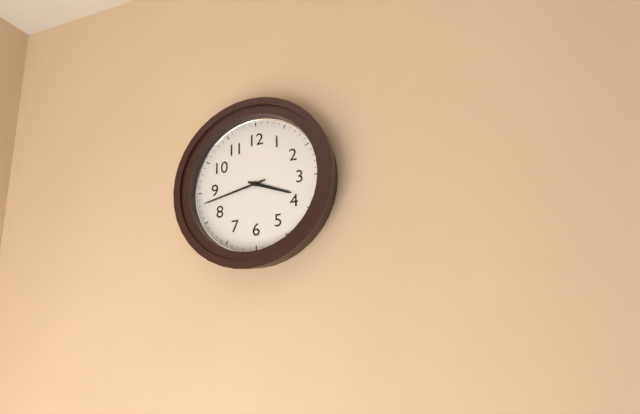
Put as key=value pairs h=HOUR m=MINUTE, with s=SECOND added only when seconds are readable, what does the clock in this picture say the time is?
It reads h=3 m=43
